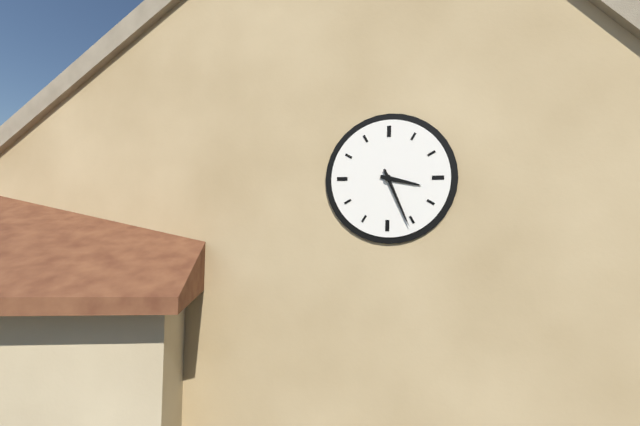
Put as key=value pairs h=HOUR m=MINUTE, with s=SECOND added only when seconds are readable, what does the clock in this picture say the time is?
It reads h=3 m=26
